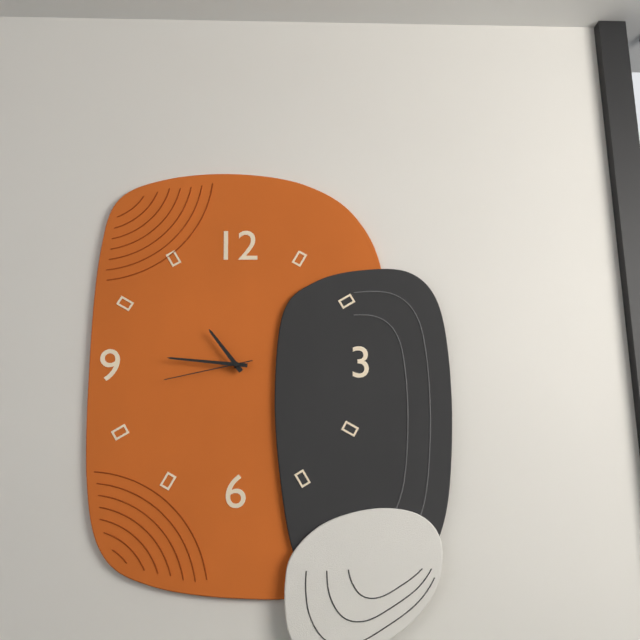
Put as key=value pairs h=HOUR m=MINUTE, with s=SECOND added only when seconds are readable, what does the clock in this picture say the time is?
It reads h=10 m=46 s=43
